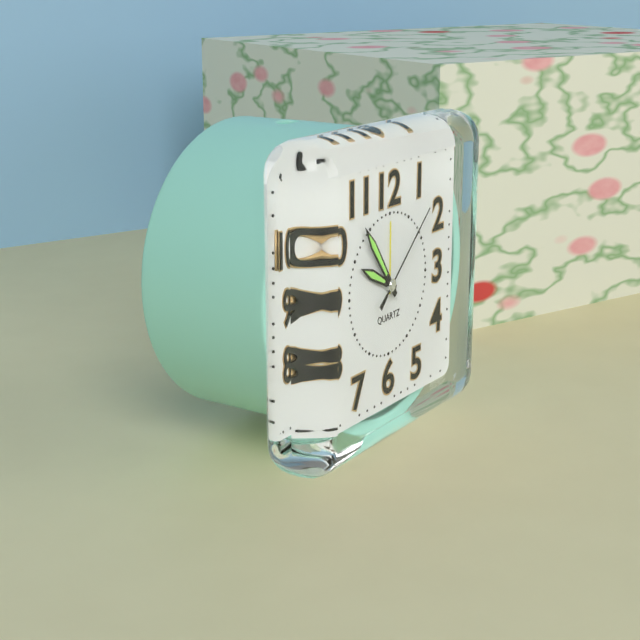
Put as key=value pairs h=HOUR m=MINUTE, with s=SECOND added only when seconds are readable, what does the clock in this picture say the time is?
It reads h=9 m=54 s=8
